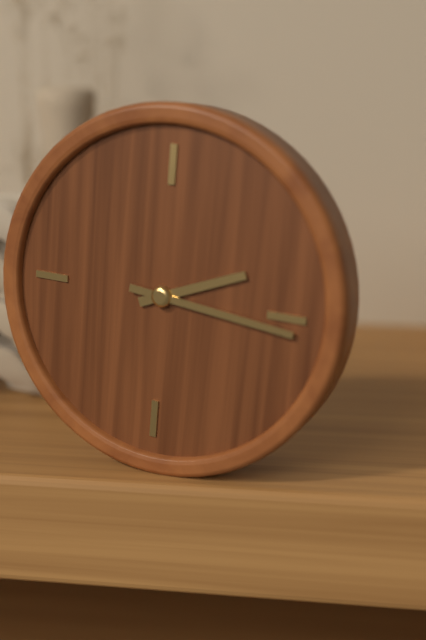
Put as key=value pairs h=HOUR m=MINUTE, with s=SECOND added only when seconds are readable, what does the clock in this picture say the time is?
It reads h=2 m=16
